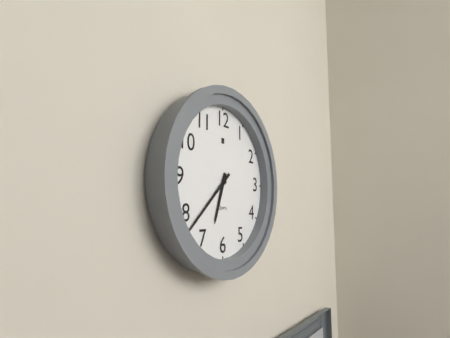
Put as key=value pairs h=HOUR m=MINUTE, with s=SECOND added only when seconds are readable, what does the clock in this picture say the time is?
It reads h=6 m=38
